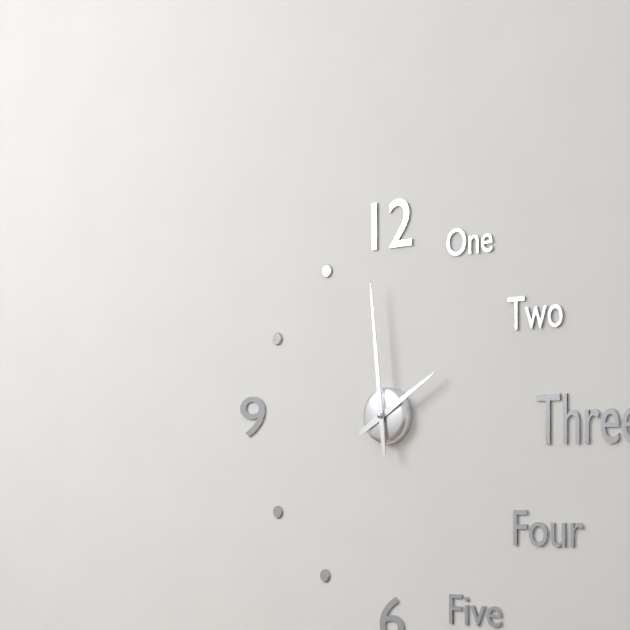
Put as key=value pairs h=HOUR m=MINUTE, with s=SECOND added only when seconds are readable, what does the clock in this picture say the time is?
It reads h=1 m=59
